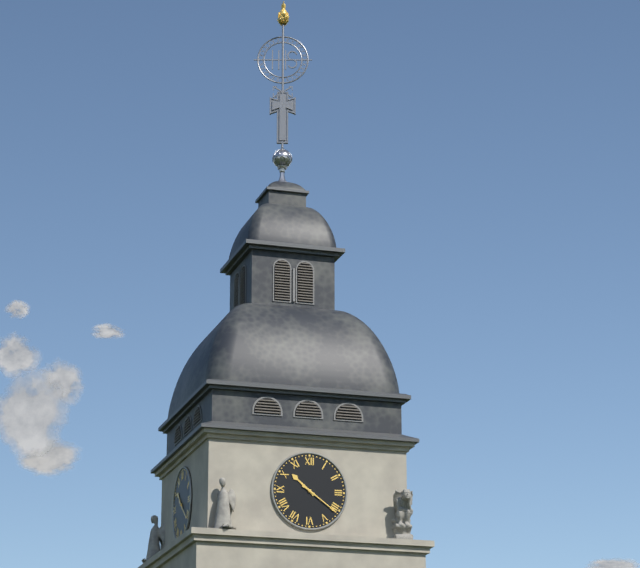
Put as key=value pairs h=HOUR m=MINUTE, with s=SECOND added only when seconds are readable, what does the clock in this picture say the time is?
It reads h=10 m=21
